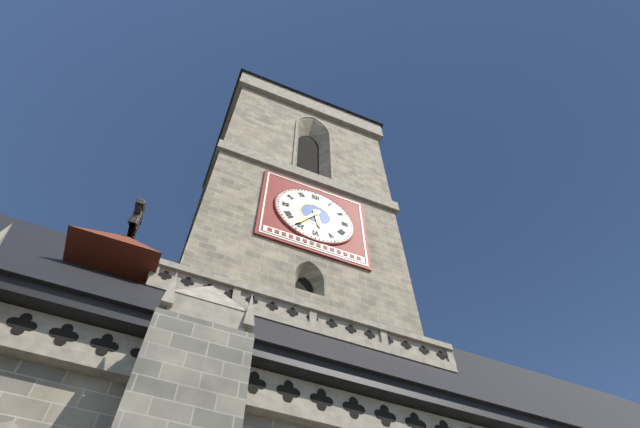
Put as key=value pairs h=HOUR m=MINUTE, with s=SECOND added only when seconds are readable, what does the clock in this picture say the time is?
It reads h=5 m=36
